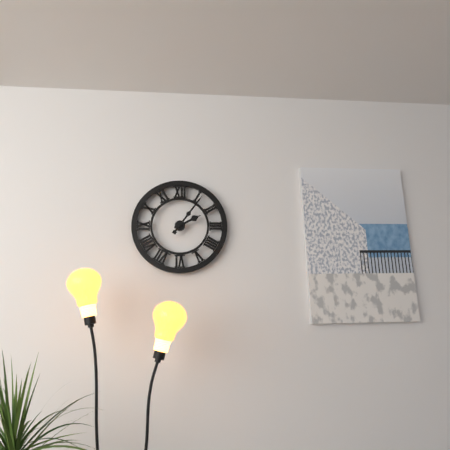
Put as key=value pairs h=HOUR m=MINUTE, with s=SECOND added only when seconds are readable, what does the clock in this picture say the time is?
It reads h=2 m=6
